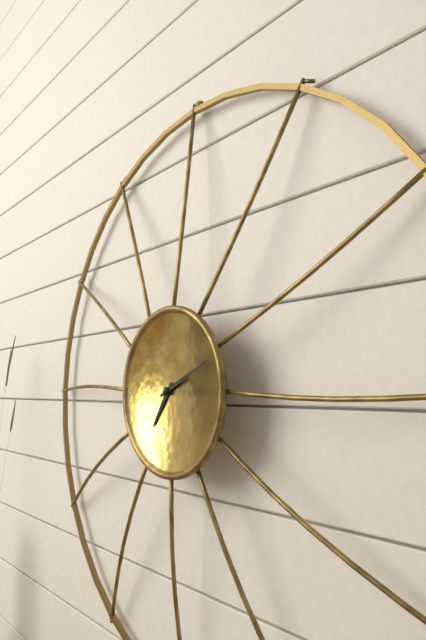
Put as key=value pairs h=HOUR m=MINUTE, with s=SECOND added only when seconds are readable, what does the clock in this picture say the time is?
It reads h=7 m=11
